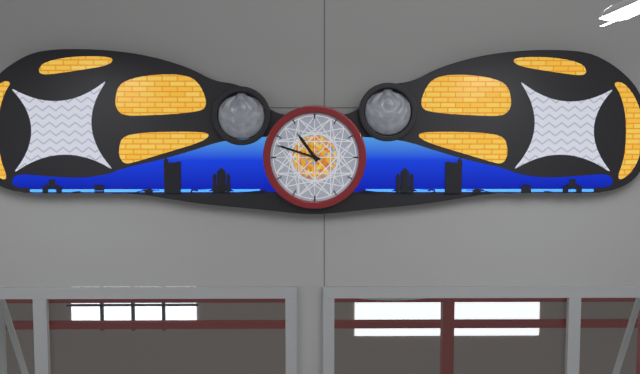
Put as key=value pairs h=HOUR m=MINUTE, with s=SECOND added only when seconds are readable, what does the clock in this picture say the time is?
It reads h=10 m=48
